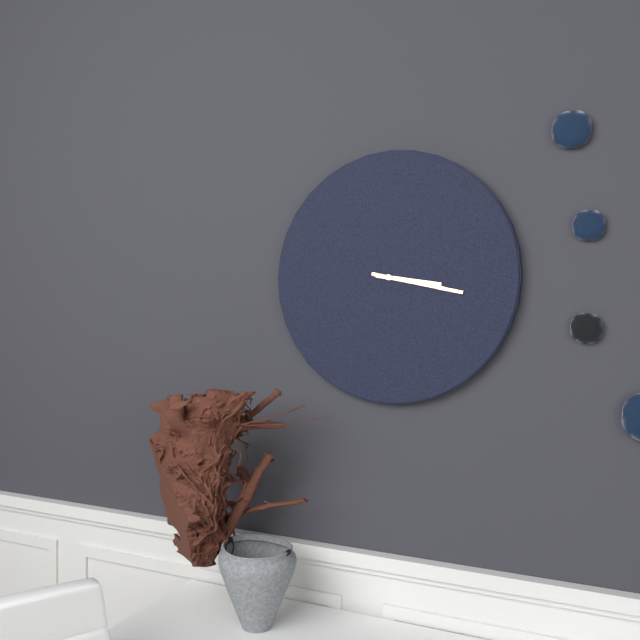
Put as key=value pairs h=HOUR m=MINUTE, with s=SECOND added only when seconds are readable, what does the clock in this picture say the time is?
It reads h=3 m=17
